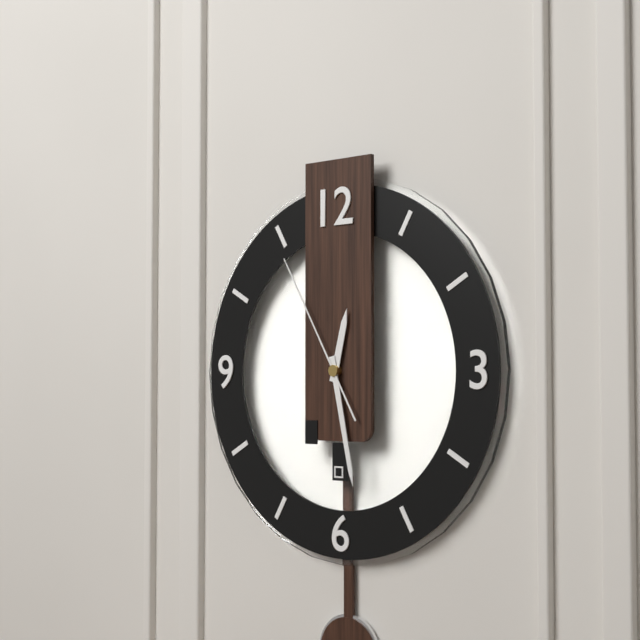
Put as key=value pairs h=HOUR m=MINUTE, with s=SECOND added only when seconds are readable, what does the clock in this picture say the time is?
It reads h=12 m=28 s=55
